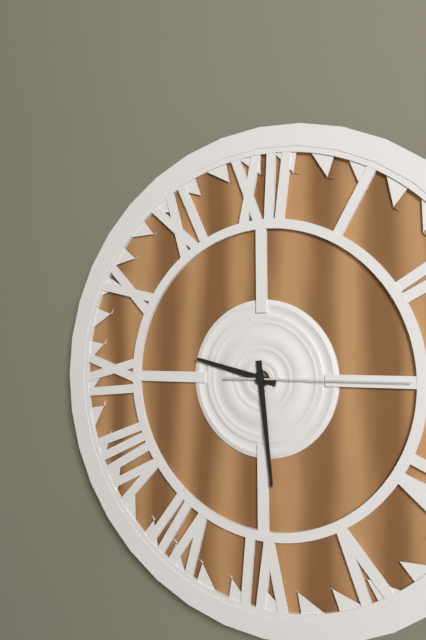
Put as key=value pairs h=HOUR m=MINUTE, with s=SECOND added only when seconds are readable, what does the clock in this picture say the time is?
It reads h=9 m=29 s=15
